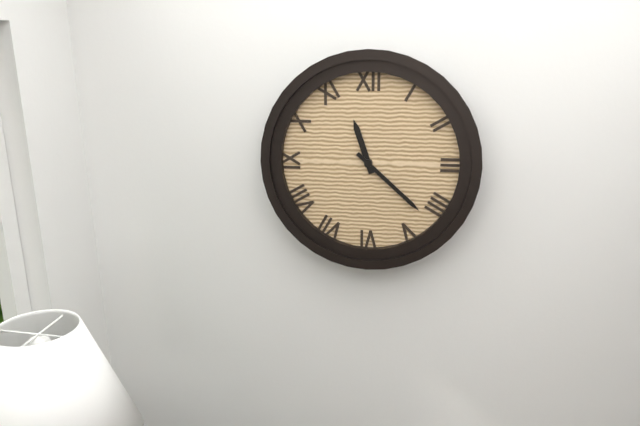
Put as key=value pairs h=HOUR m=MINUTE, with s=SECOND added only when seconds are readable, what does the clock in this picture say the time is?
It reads h=11 m=22
